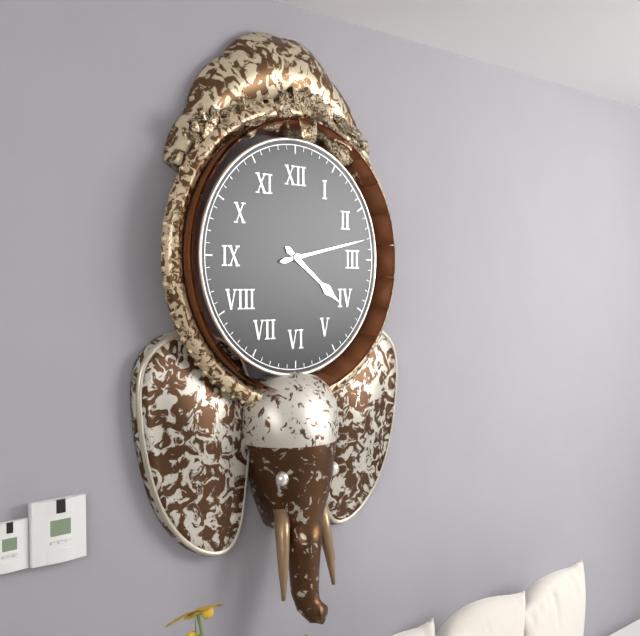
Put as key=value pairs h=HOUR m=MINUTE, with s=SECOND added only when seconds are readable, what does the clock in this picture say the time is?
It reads h=4 m=13
